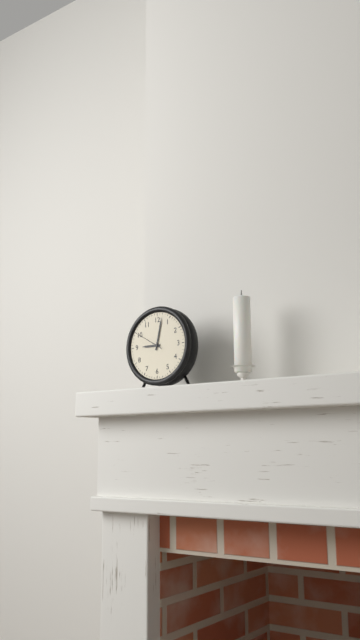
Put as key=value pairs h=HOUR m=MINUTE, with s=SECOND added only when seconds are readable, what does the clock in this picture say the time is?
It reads h=9 m=2
